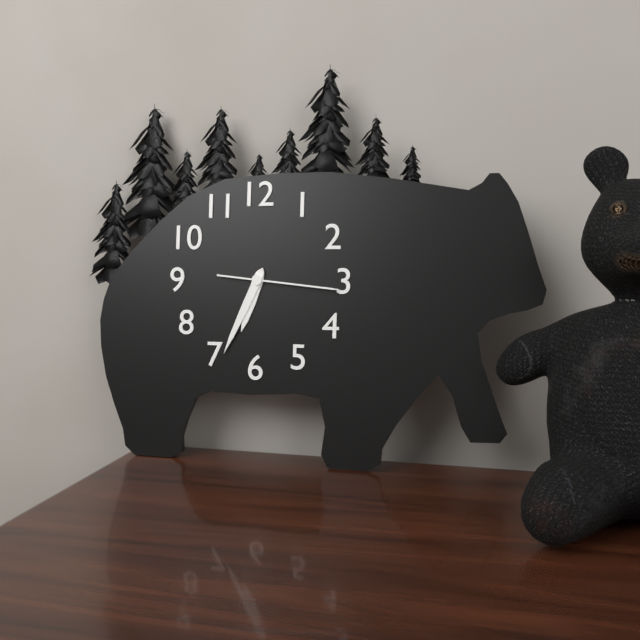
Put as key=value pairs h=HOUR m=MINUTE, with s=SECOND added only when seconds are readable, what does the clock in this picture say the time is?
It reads h=6 m=34 s=16
